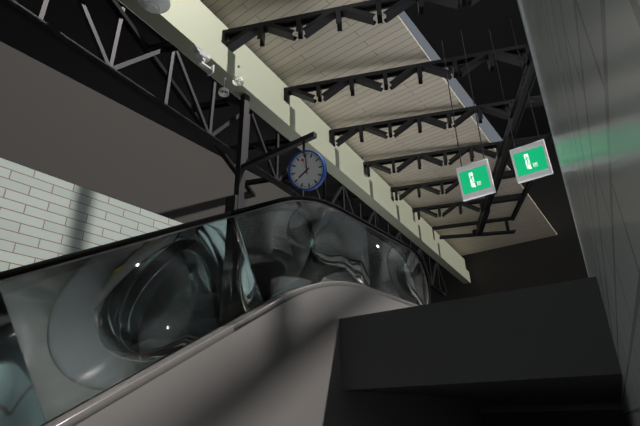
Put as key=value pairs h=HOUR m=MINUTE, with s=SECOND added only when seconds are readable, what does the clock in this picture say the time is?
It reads h=8 m=1
